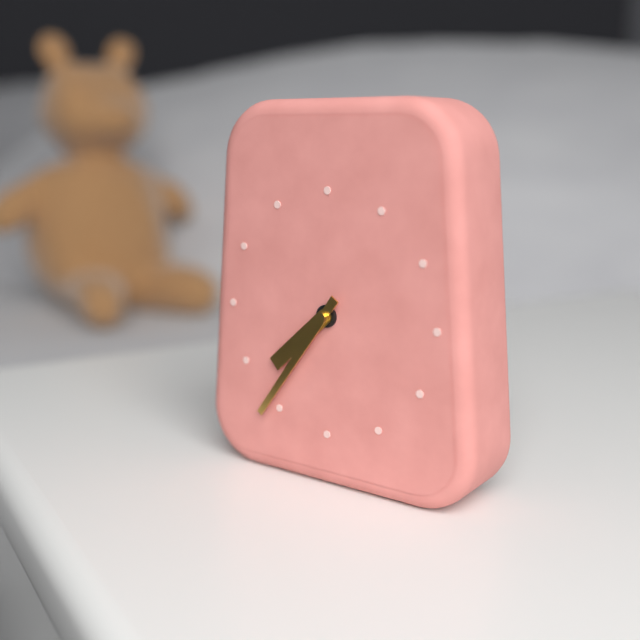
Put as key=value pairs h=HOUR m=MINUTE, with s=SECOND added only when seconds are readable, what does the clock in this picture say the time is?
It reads h=7 m=36
